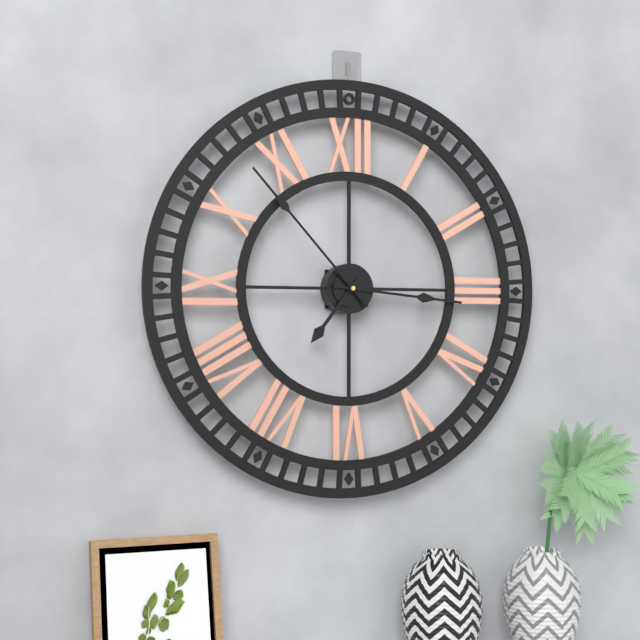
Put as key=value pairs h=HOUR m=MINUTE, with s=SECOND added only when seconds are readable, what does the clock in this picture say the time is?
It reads h=7 m=16 s=53
